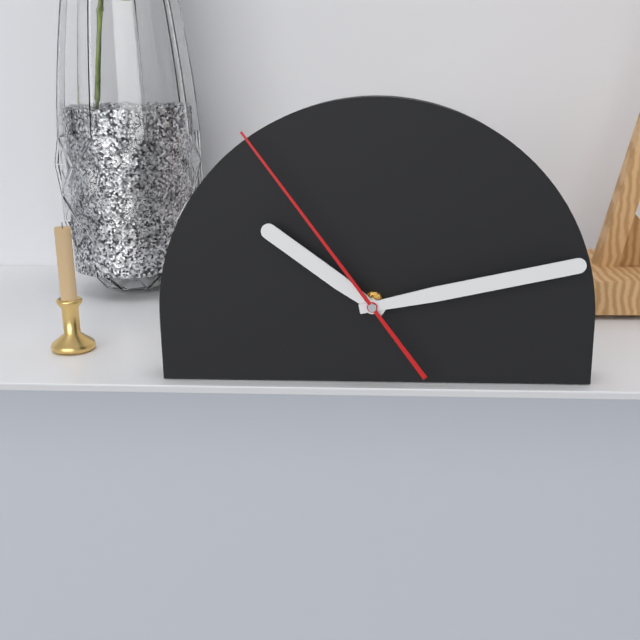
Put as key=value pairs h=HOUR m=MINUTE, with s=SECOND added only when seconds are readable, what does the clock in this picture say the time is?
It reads h=10 m=13 s=54
